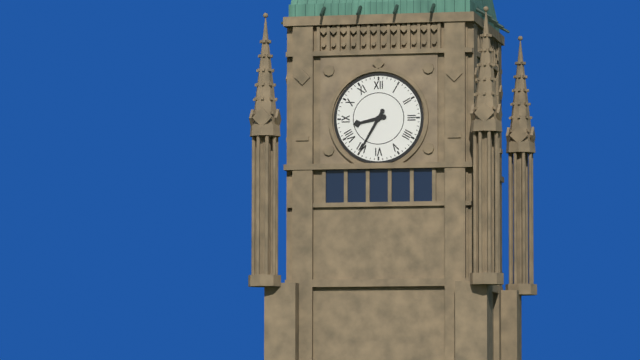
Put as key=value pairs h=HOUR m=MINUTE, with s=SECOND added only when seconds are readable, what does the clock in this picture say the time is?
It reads h=8 m=35
